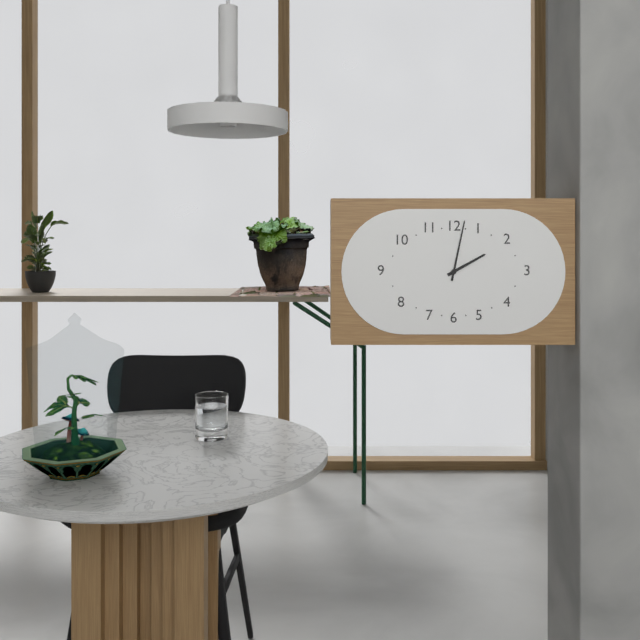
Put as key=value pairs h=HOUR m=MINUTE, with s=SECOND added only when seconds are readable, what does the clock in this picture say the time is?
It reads h=2 m=2
